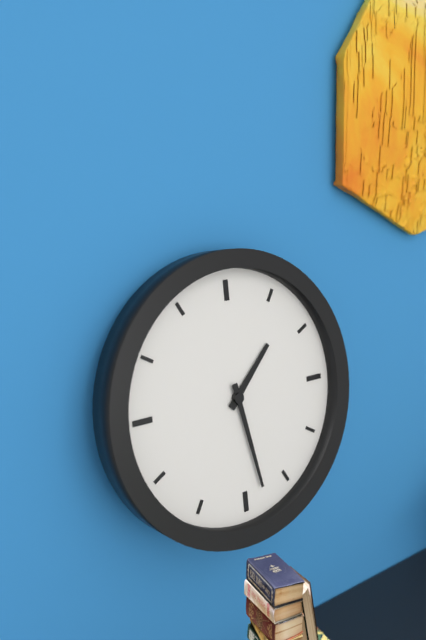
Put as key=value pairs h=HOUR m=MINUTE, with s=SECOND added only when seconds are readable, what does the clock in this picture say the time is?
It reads h=1 m=28
